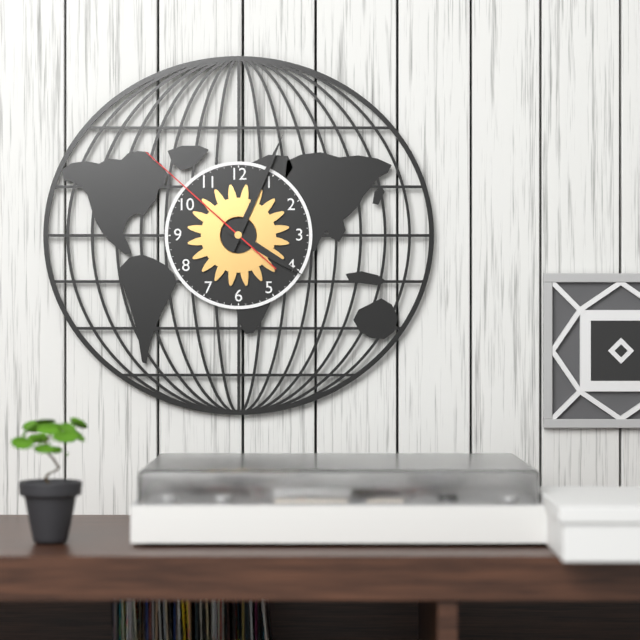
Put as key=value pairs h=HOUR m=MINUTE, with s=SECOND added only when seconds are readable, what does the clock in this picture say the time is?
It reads h=4 m=4 s=52
